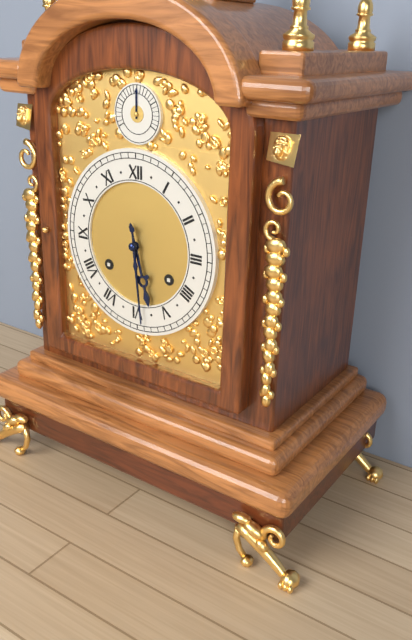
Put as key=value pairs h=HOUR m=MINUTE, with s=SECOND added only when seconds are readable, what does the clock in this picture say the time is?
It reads h=5 m=29
